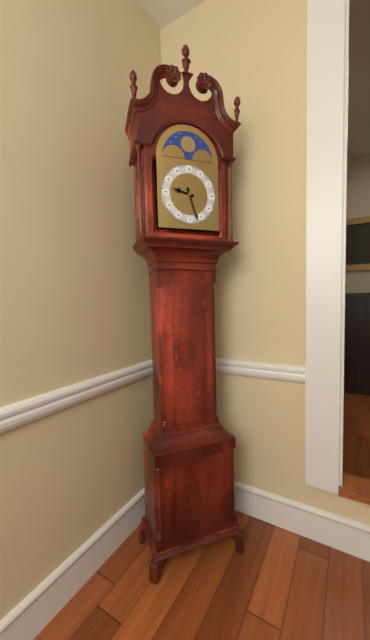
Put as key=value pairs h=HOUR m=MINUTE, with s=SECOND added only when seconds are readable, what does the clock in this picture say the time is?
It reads h=9 m=27
